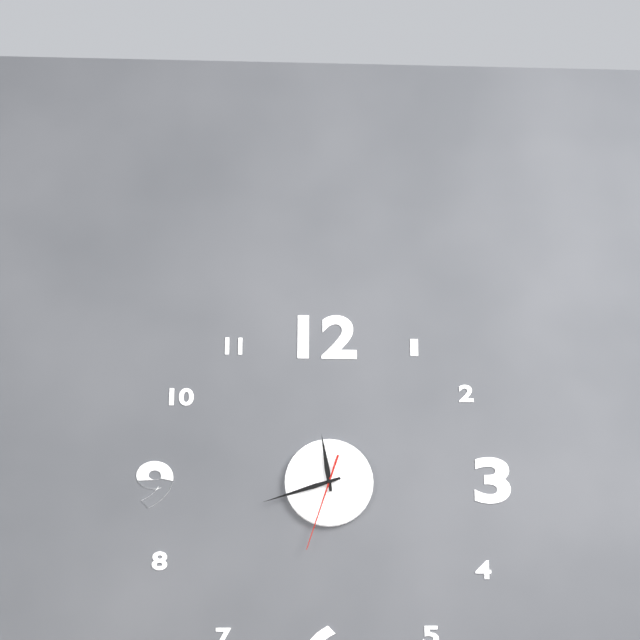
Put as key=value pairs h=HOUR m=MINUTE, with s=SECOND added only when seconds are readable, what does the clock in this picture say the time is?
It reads h=11 m=42 s=33
